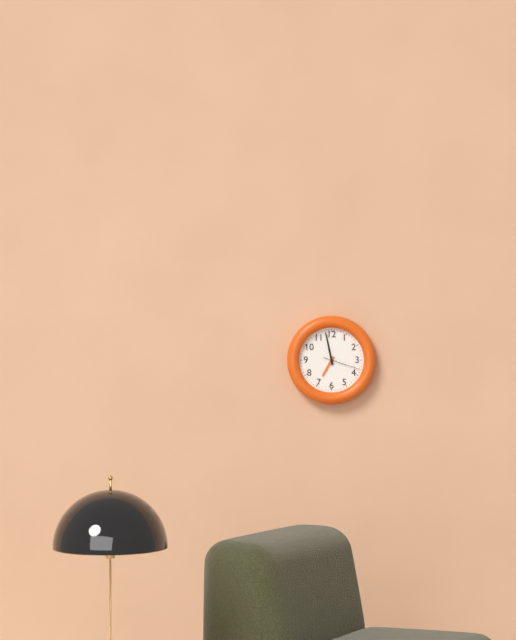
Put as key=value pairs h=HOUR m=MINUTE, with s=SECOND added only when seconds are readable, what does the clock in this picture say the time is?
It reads h=6 m=58
